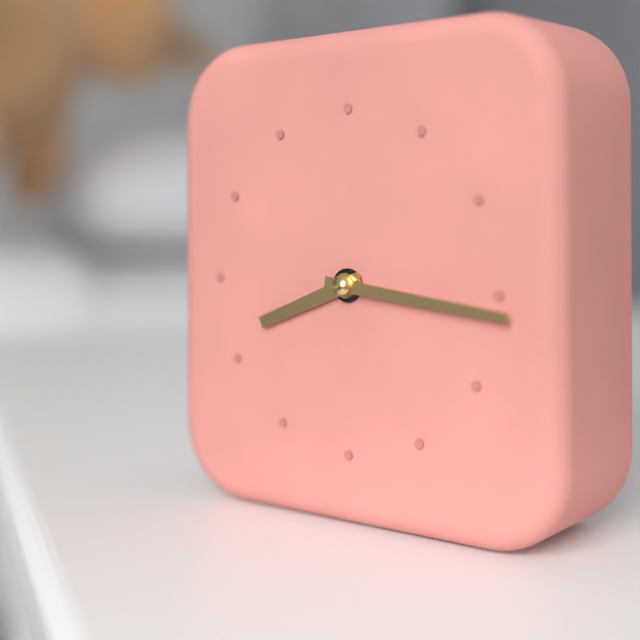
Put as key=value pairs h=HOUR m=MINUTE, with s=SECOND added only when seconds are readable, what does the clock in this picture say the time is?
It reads h=8 m=16
